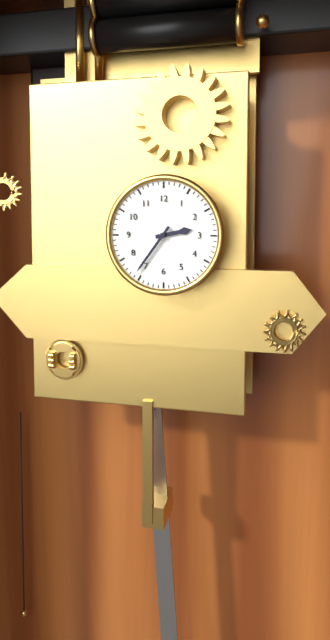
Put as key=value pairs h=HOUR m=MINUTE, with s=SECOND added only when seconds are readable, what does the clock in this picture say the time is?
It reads h=2 m=36
